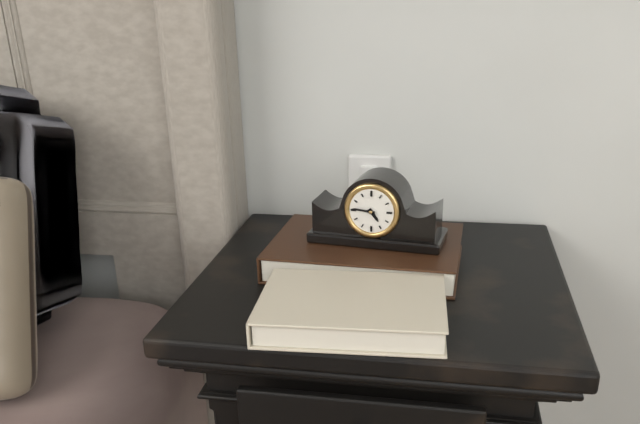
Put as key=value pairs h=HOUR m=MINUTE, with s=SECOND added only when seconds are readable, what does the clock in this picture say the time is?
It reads h=4 m=46
